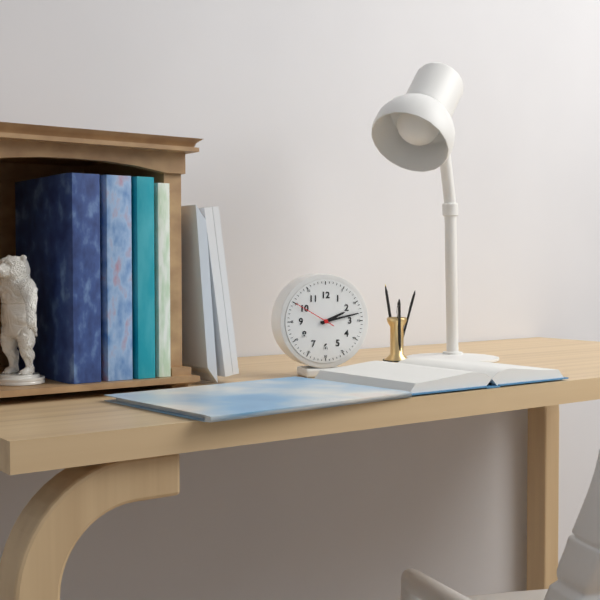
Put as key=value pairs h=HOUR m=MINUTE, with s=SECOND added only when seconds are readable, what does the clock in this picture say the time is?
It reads h=2 m=13
